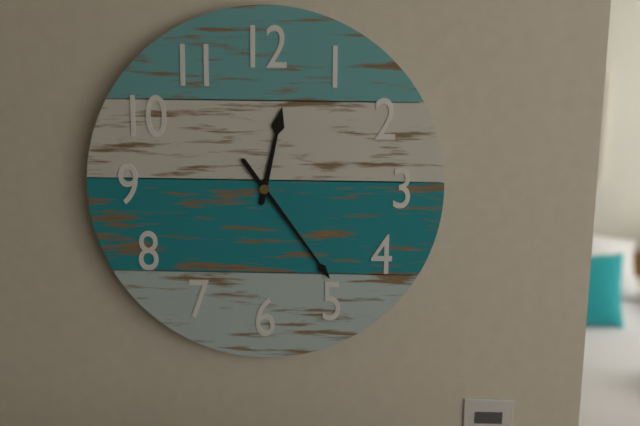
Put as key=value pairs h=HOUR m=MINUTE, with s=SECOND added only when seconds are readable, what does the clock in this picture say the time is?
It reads h=12 m=24
